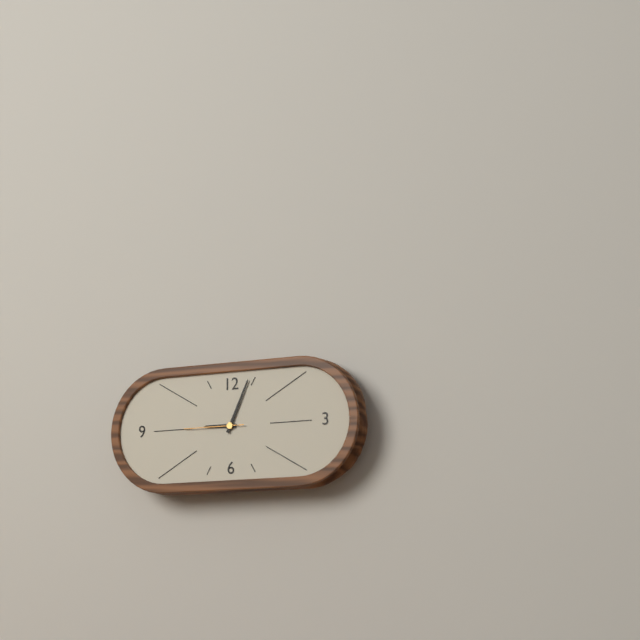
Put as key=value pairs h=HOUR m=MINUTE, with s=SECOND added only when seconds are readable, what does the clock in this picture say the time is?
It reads h=9 m=4 s=45
